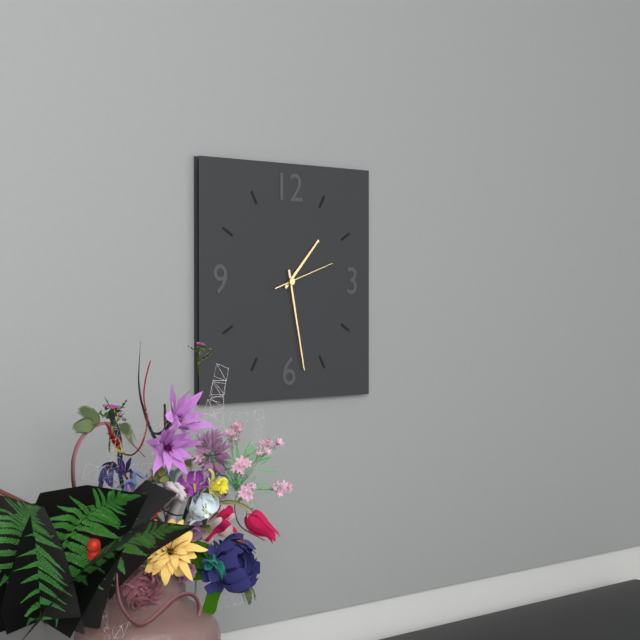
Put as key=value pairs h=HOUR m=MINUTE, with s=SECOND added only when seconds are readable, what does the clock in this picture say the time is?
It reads h=1 m=28 s=12
